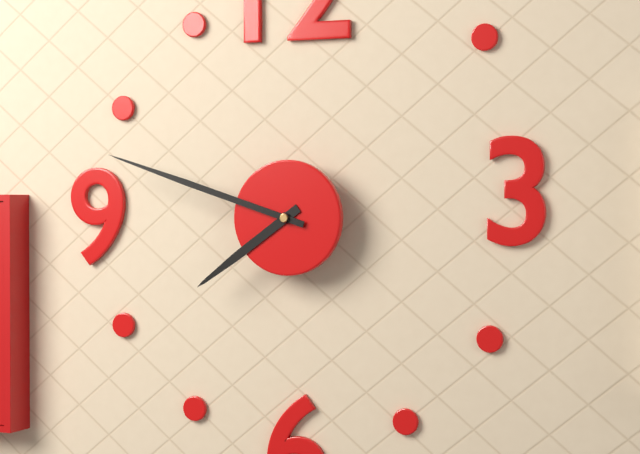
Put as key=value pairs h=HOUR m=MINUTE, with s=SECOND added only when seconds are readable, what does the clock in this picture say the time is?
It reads h=7 m=48
